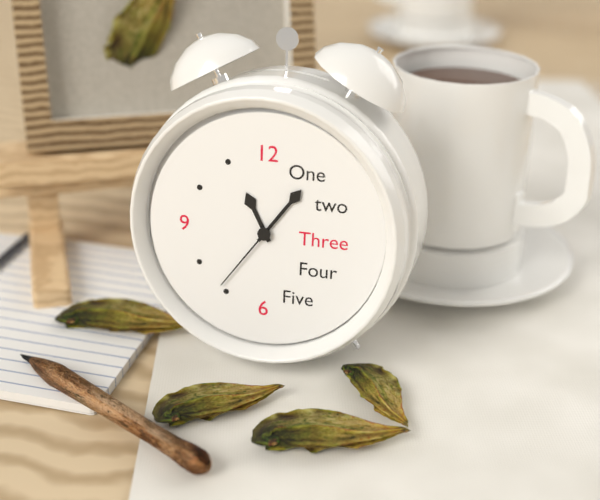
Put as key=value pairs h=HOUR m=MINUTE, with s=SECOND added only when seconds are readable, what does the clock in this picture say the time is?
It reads h=11 m=6 s=36
